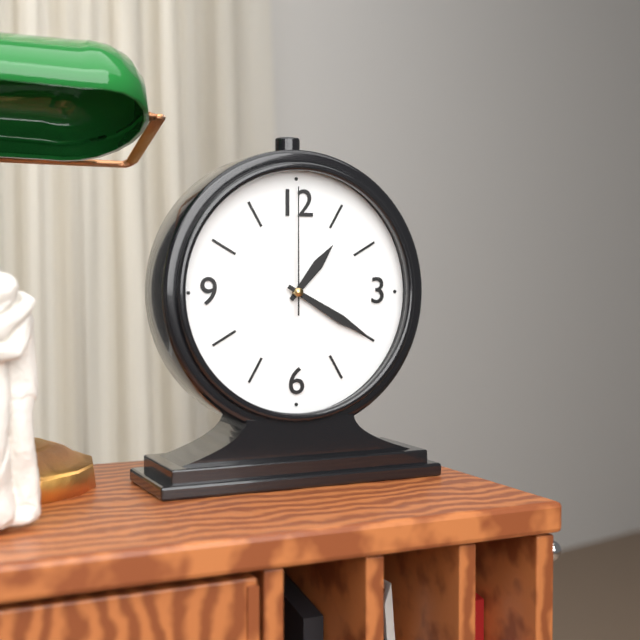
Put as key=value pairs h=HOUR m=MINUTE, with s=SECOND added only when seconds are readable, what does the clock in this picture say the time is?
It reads h=1 m=20 s=0
